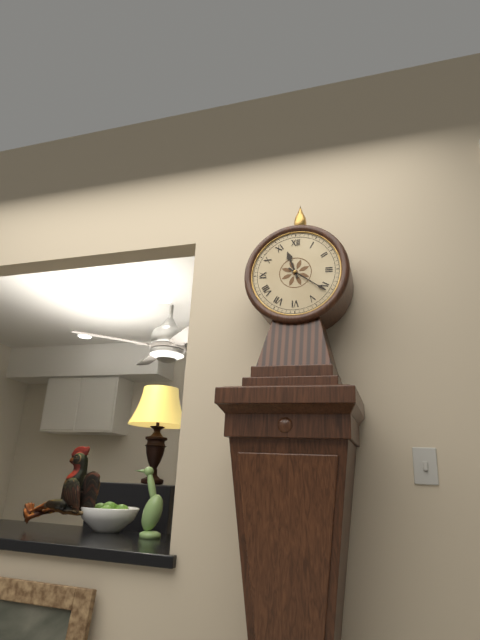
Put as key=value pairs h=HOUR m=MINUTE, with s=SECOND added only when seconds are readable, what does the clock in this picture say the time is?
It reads h=11 m=21
